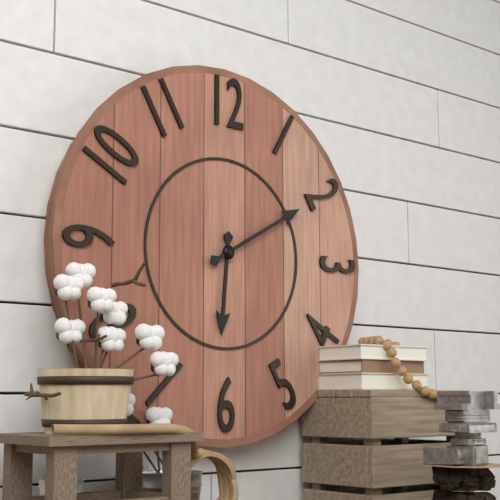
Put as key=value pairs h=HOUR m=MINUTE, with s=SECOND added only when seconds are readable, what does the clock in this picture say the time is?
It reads h=6 m=10
